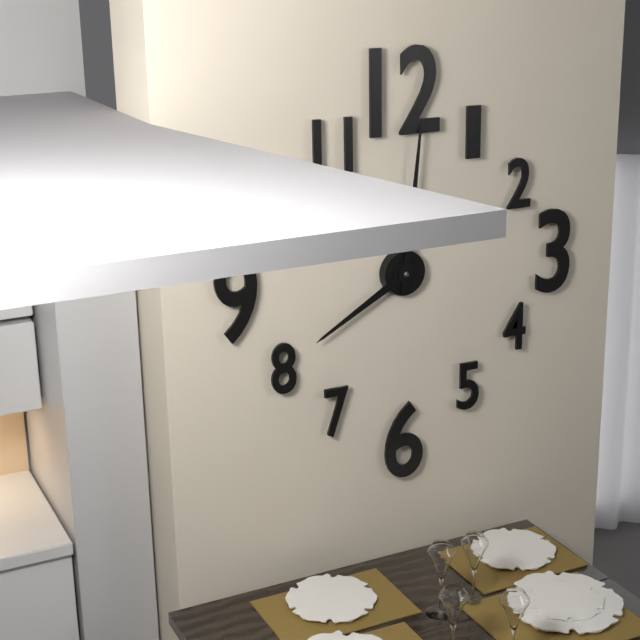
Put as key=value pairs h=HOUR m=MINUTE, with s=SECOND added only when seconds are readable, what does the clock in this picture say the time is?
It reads h=8 m=1
